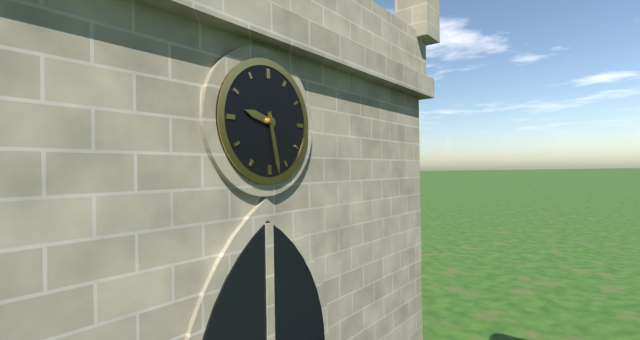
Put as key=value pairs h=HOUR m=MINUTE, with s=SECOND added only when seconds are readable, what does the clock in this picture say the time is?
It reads h=9 m=28
